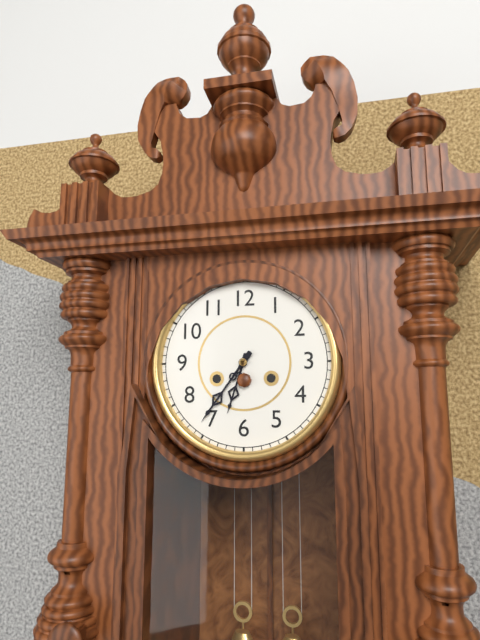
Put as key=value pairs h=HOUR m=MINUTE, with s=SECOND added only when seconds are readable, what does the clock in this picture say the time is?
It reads h=6 m=36
